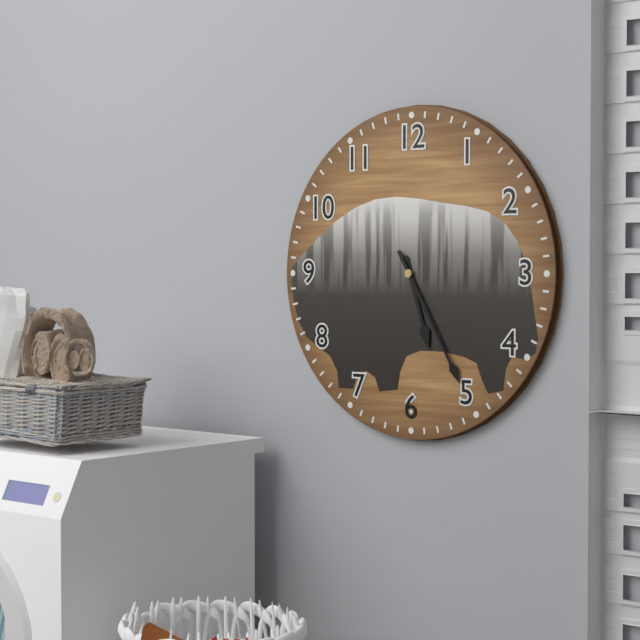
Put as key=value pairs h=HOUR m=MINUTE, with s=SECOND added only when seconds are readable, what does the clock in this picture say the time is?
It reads h=5 m=25
